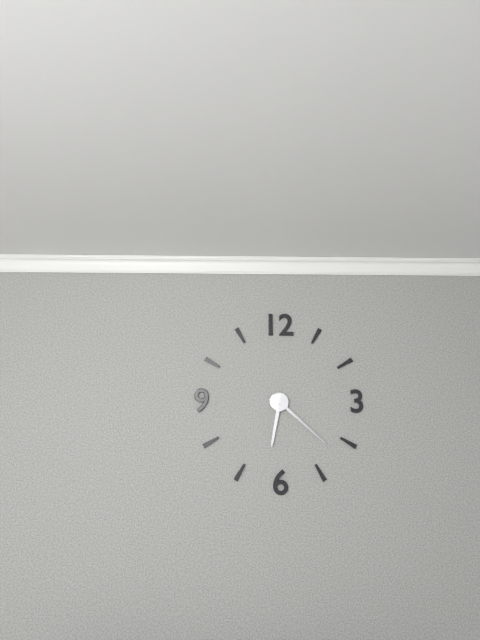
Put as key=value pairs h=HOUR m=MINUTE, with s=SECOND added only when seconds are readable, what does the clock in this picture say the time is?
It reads h=6 m=22
